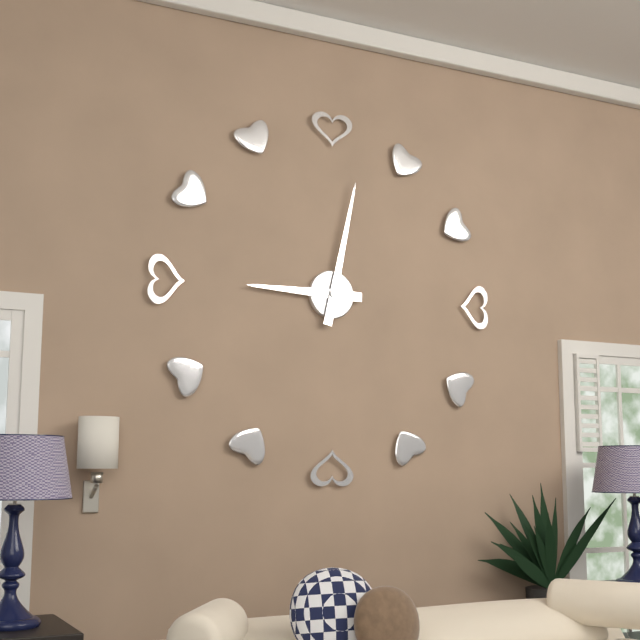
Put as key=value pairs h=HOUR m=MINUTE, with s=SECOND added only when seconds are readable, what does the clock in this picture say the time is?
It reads h=9 m=2
